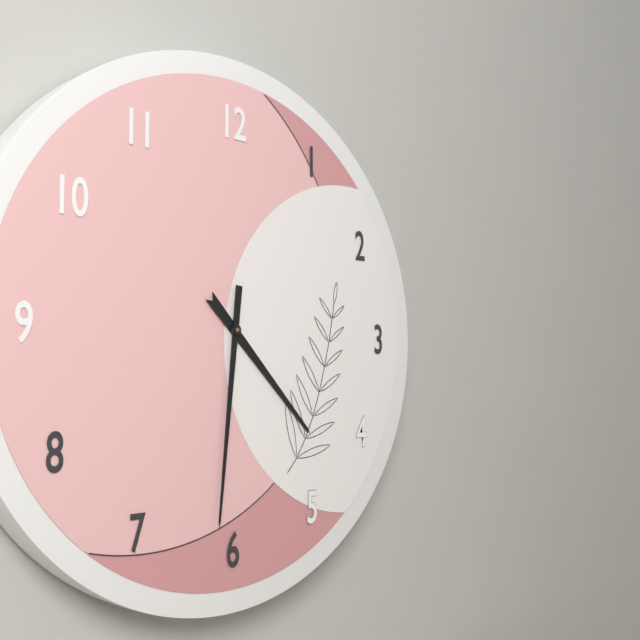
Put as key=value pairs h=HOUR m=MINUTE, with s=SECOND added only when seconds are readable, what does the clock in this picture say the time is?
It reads h=4 m=31
